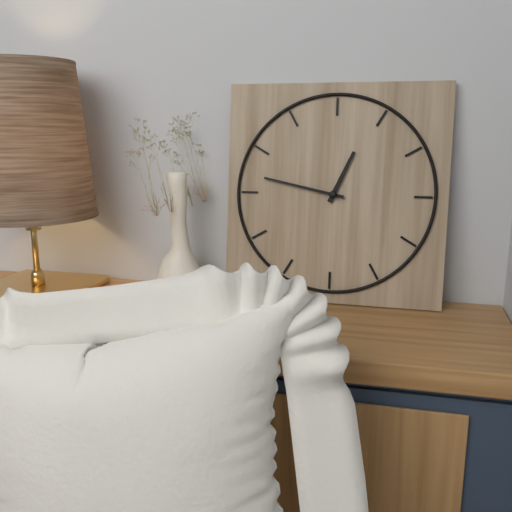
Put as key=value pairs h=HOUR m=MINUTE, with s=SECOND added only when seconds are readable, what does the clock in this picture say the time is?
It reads h=12 m=47
